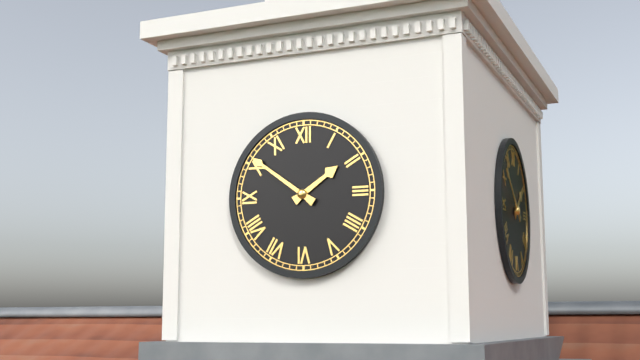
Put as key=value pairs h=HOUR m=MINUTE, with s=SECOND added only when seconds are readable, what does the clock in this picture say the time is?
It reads h=1 m=51
